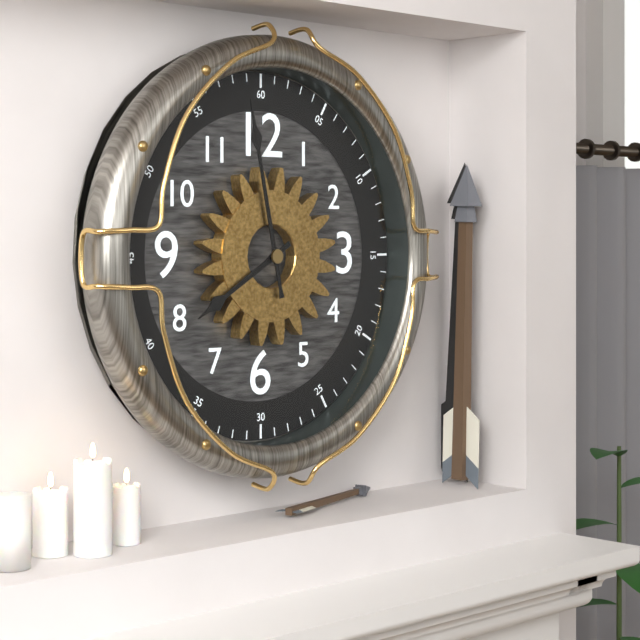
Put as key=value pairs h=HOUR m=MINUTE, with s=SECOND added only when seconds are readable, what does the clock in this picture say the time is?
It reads h=7 m=58
